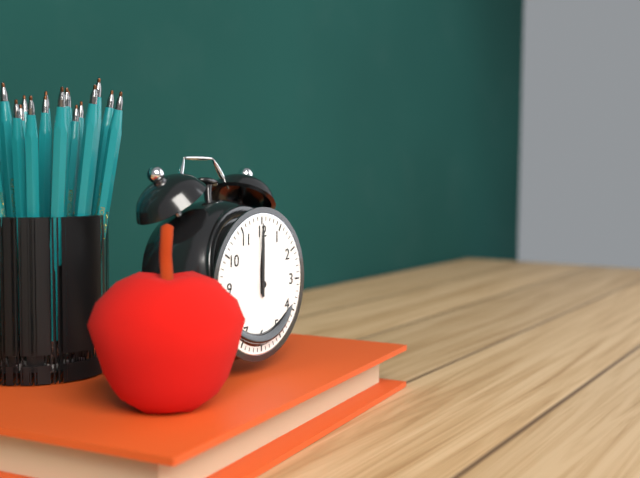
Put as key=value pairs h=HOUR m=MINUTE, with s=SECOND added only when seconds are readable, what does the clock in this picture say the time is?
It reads h=12 m=0
